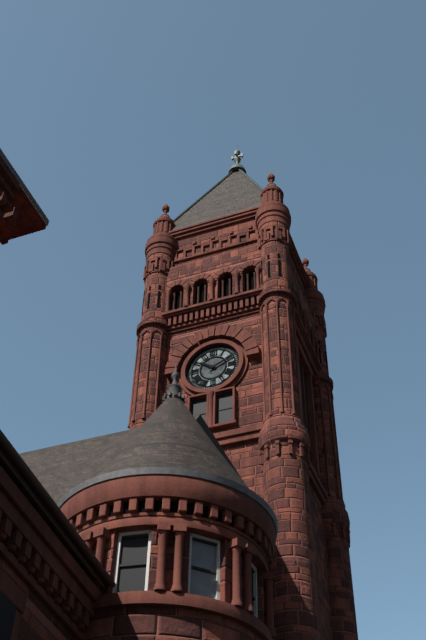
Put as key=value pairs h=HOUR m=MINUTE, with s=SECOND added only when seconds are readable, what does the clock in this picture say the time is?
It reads h=10 m=11
